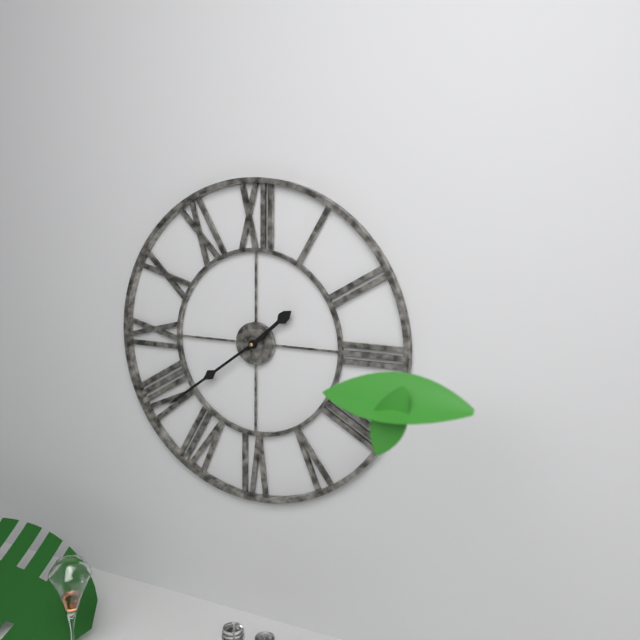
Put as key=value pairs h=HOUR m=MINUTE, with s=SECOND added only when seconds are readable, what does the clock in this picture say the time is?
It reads h=1 m=39
